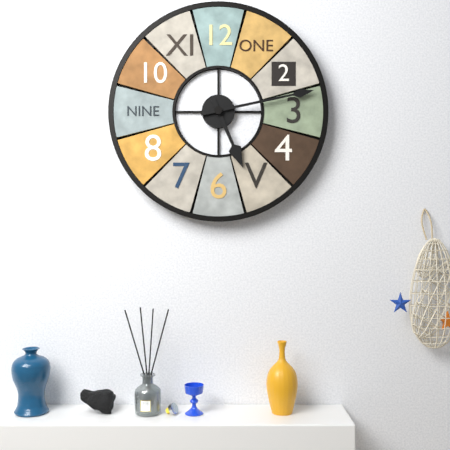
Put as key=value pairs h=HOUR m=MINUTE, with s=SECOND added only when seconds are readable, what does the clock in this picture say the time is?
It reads h=5 m=13
